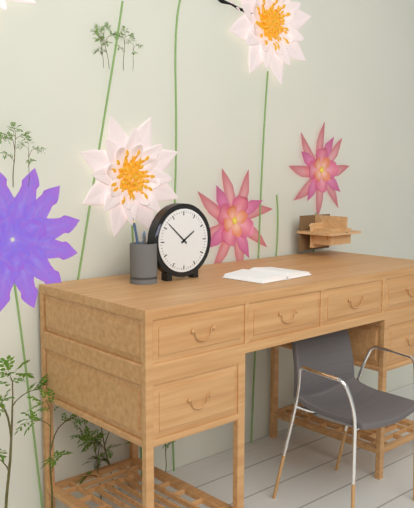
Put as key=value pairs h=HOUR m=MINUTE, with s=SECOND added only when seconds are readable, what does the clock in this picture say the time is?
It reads h=1 m=52
